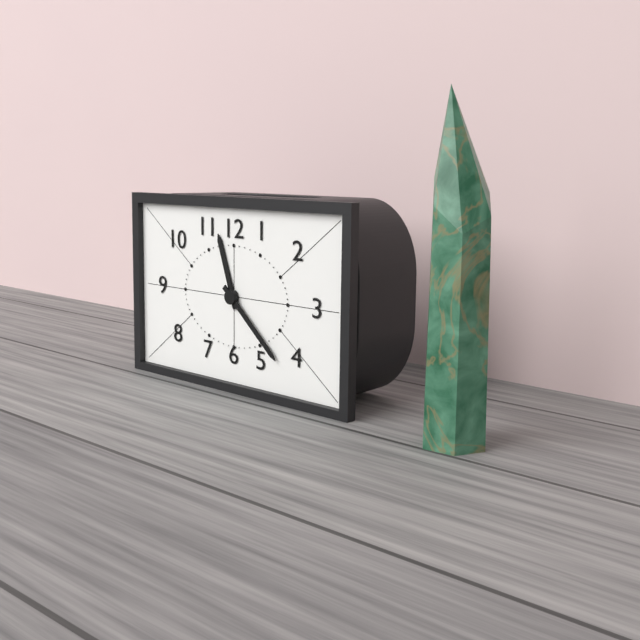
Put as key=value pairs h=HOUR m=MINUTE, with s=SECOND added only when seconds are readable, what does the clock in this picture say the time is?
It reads h=11 m=22
